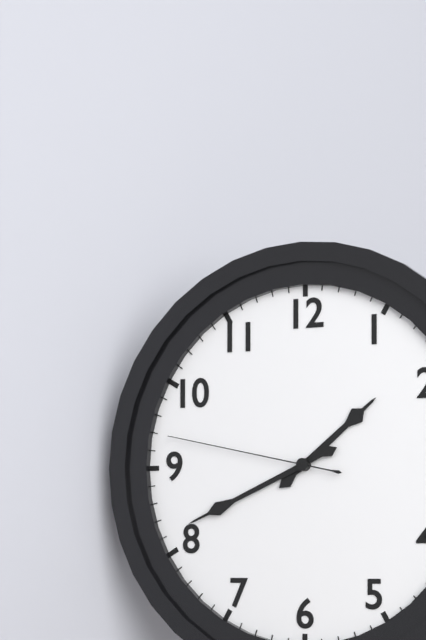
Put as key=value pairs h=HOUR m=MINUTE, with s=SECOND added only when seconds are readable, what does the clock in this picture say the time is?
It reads h=1 m=41 s=47
